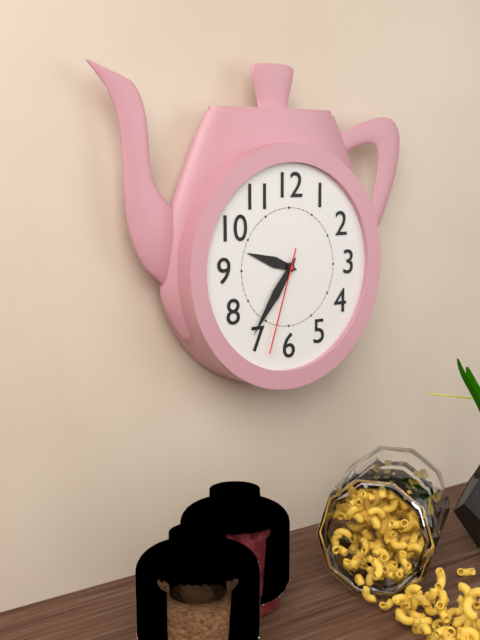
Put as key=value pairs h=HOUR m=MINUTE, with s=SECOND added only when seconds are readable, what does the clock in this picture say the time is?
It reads h=9 m=36 s=33
